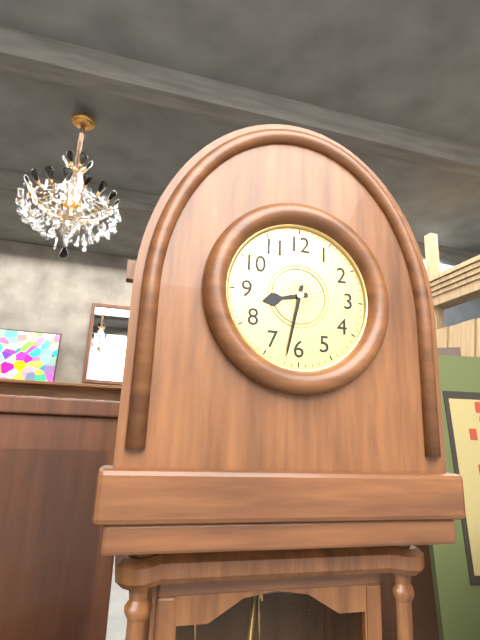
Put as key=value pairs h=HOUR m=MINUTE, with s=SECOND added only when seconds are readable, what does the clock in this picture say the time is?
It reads h=8 m=32
